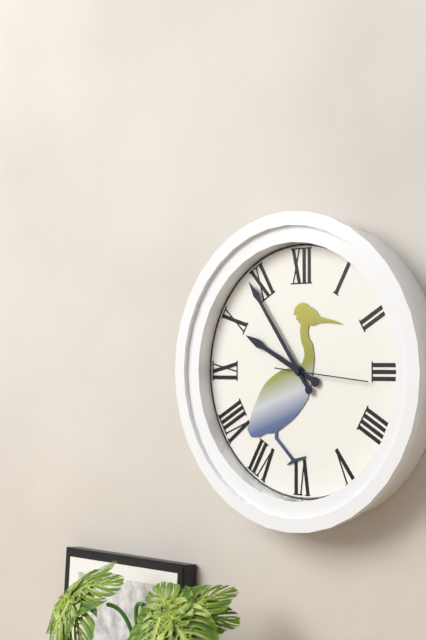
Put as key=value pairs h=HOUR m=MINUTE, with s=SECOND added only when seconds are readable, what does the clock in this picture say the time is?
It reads h=9 m=54 s=16
